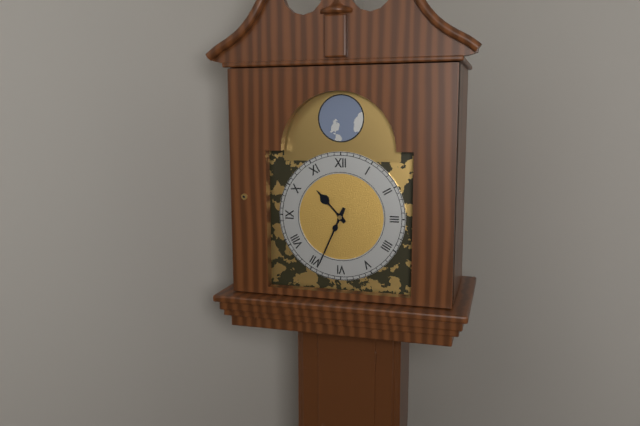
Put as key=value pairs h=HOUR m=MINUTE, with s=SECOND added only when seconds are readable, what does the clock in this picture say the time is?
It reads h=10 m=34
